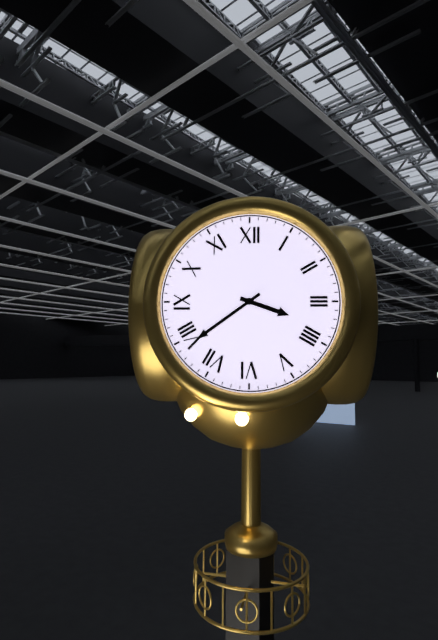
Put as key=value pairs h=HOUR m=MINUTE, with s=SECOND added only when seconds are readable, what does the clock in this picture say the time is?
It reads h=3 m=39
